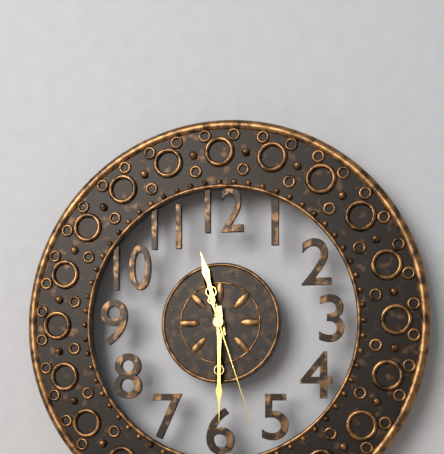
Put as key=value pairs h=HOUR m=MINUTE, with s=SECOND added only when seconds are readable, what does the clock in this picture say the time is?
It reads h=11 m=30 s=27
